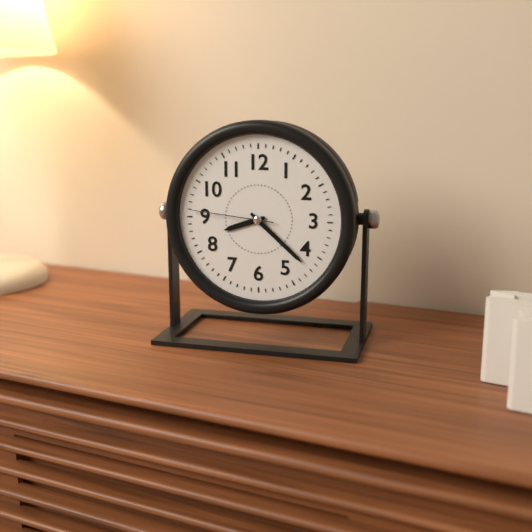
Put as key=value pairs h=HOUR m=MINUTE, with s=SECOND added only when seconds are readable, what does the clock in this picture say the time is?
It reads h=8 m=22 s=46
